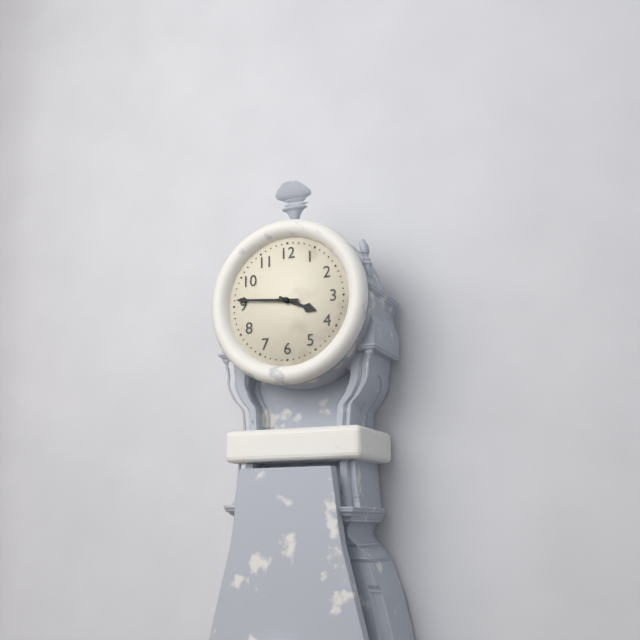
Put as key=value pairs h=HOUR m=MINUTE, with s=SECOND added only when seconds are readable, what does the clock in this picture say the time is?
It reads h=3 m=46
